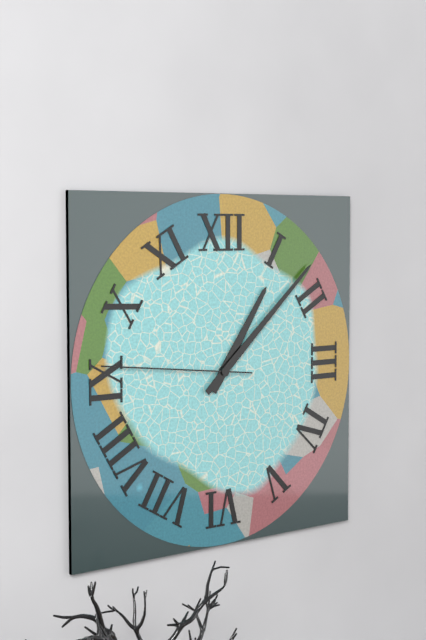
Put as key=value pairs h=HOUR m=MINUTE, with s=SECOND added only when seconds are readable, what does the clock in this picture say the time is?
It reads h=1 m=8 s=46
